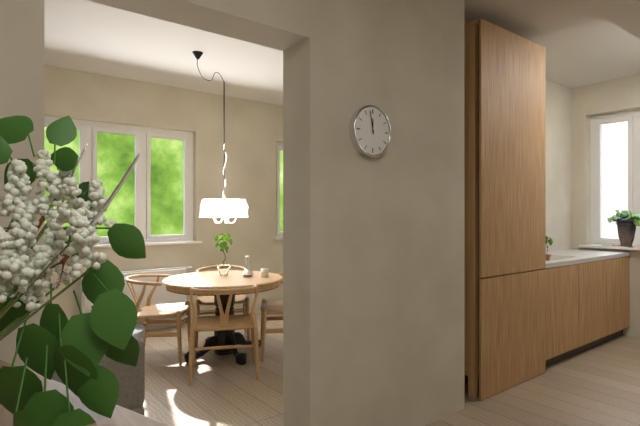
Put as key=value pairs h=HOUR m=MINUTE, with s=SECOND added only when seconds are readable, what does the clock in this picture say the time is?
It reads h=11 m=58
